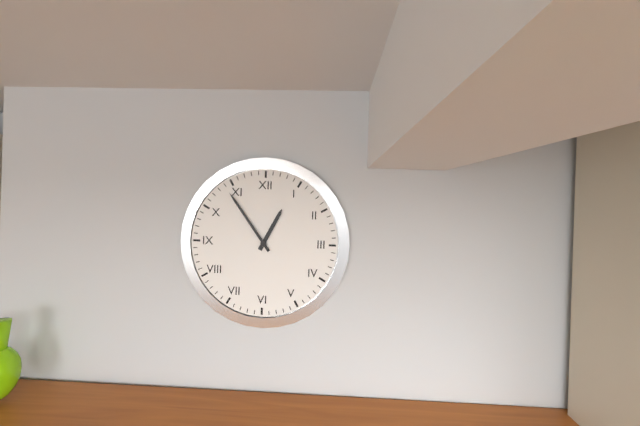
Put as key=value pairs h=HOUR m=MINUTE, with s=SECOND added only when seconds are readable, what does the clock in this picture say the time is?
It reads h=12 m=54
